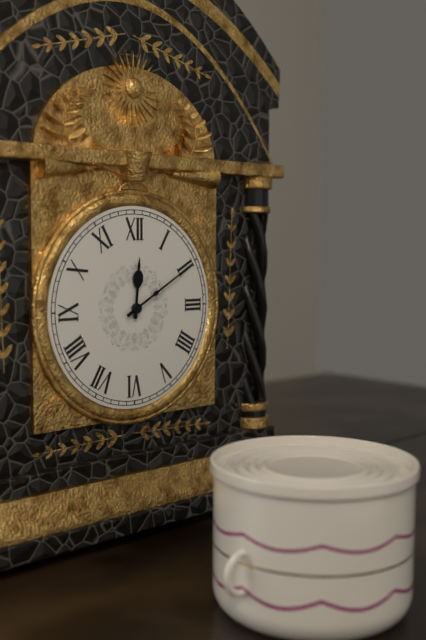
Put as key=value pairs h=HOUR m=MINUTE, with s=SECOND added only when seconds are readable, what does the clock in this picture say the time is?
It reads h=12 m=10
